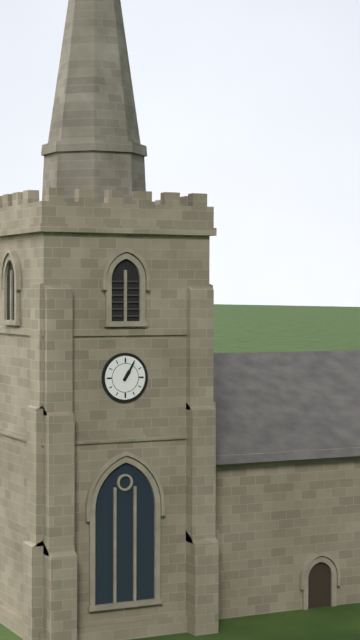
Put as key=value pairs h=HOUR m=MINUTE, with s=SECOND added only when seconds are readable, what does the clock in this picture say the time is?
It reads h=1 m=5
